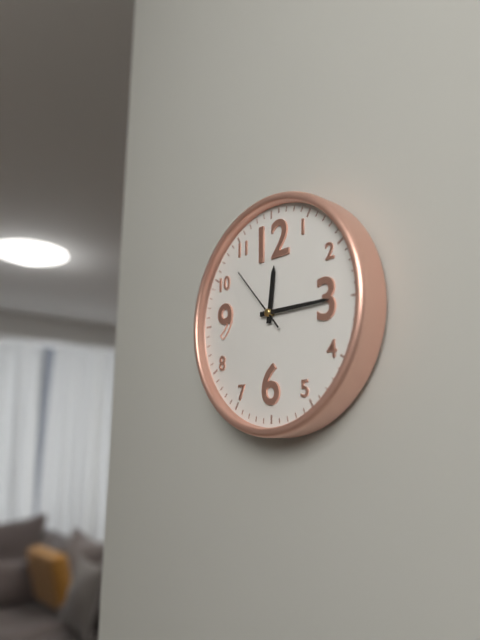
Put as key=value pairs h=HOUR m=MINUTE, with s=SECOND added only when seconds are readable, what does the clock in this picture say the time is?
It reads h=12 m=15 s=53
